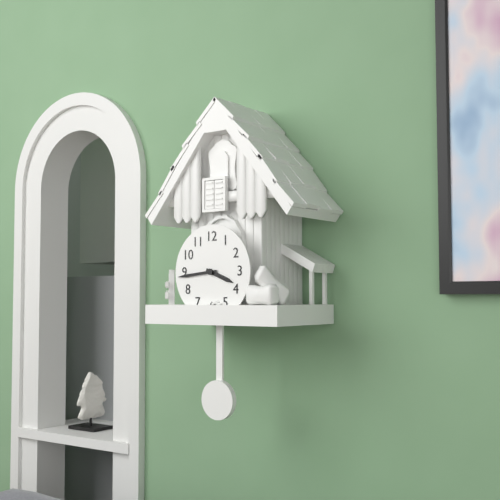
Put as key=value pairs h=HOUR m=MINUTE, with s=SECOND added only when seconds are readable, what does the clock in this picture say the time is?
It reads h=3 m=44
